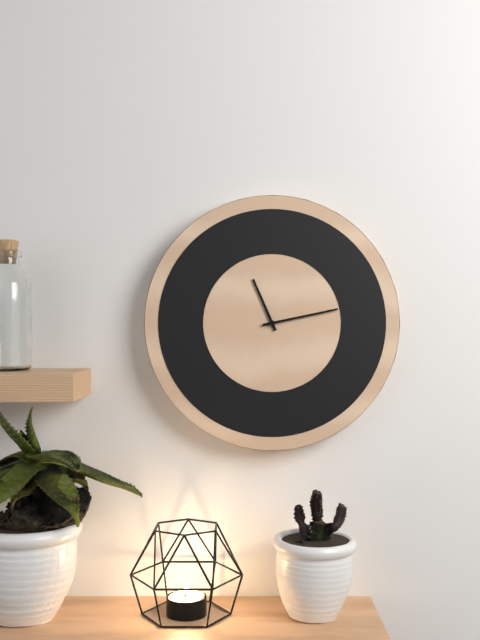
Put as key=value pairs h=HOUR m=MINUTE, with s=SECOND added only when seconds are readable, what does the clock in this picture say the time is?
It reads h=11 m=13
